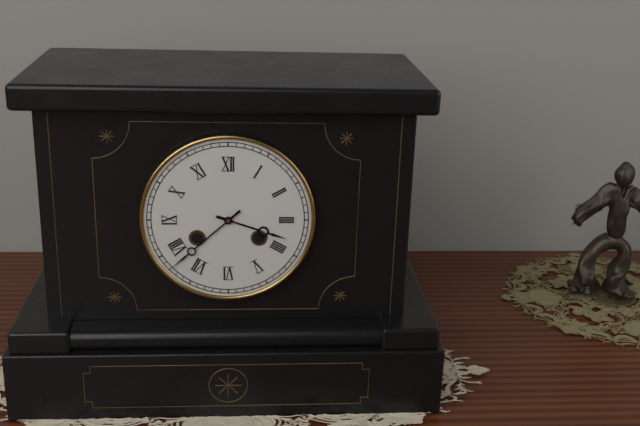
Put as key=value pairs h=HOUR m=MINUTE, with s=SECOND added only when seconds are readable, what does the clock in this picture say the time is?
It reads h=3 m=38
